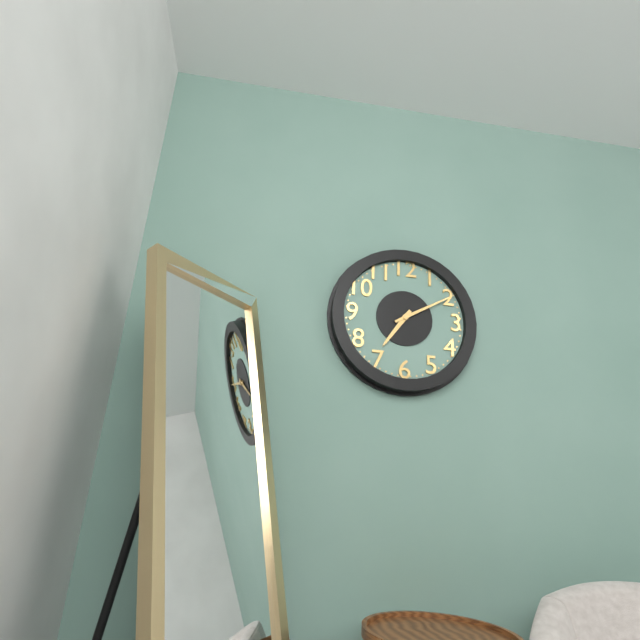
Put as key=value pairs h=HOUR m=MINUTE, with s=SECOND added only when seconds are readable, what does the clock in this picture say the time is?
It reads h=7 m=10
